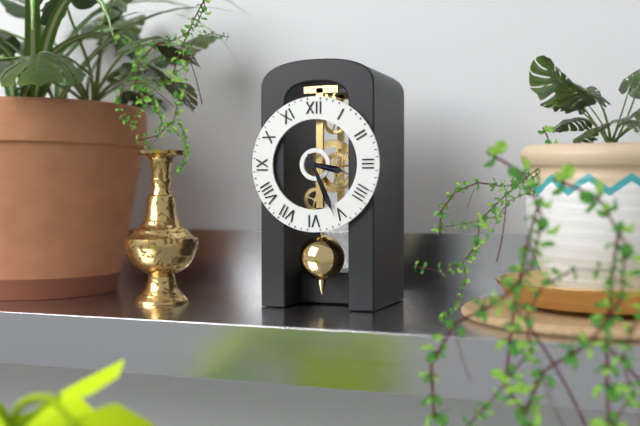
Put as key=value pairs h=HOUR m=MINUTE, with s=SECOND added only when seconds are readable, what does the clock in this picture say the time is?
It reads h=3 m=26
